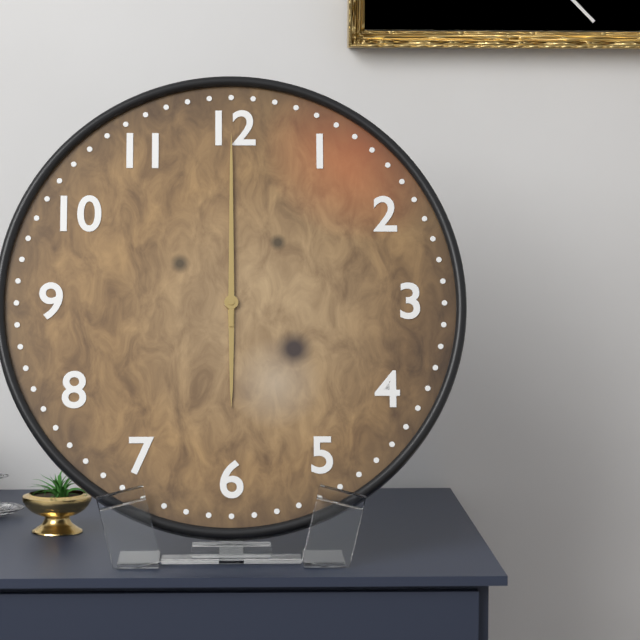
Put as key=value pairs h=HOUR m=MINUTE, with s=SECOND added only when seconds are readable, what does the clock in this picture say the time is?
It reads h=6 m=0
